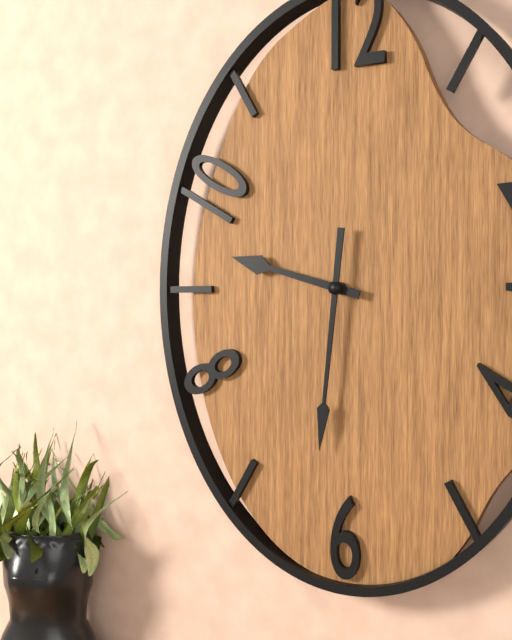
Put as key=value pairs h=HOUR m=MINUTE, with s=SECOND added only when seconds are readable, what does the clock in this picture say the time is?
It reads h=9 m=31
